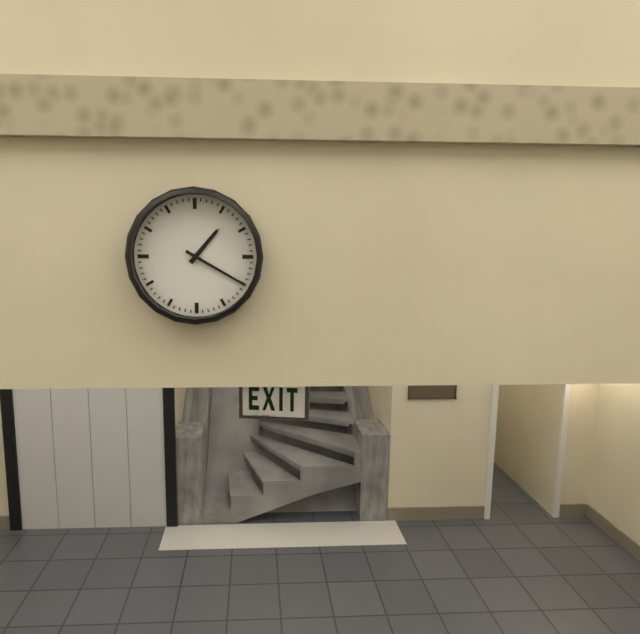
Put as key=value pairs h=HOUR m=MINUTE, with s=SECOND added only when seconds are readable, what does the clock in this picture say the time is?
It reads h=1 m=20
